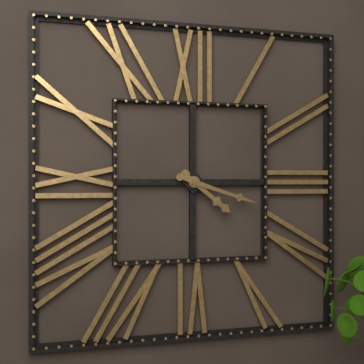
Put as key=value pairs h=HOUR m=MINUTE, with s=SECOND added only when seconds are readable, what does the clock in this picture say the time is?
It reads h=4 m=18
